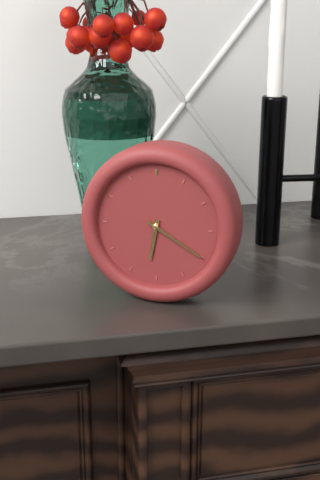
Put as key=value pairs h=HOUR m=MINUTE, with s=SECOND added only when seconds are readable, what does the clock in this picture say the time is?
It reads h=6 m=20
